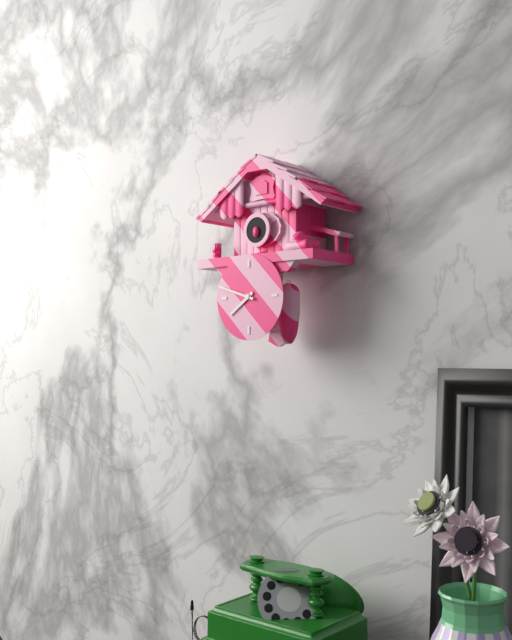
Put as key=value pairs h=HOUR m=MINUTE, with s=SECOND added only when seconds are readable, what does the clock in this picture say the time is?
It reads h=7 m=48
